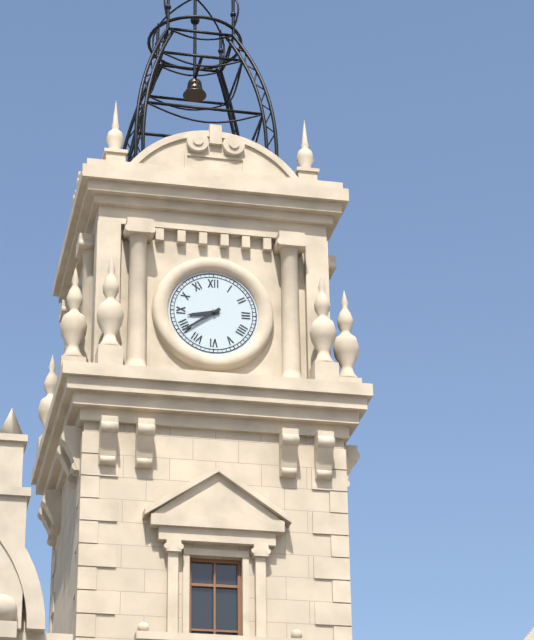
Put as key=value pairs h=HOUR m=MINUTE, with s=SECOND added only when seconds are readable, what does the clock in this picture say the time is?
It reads h=8 m=39
